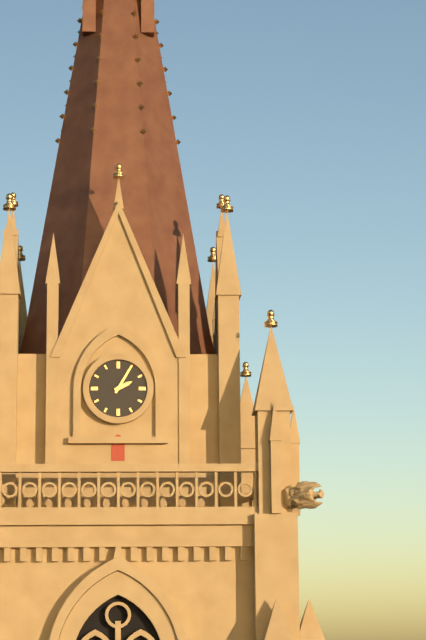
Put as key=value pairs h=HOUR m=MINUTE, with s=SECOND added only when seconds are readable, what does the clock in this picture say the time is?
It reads h=2 m=5
